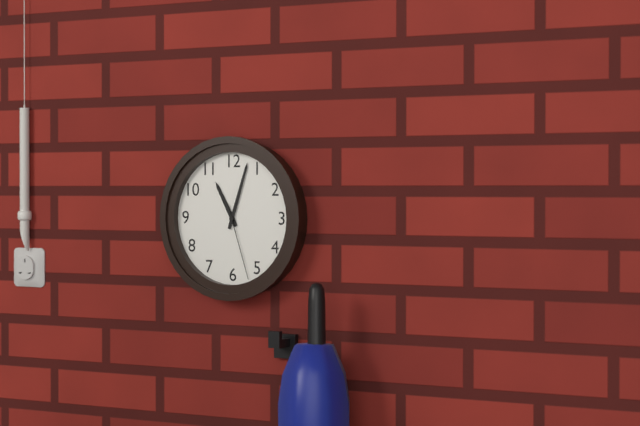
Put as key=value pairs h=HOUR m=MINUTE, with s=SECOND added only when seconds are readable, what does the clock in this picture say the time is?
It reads h=11 m=3 s=27
